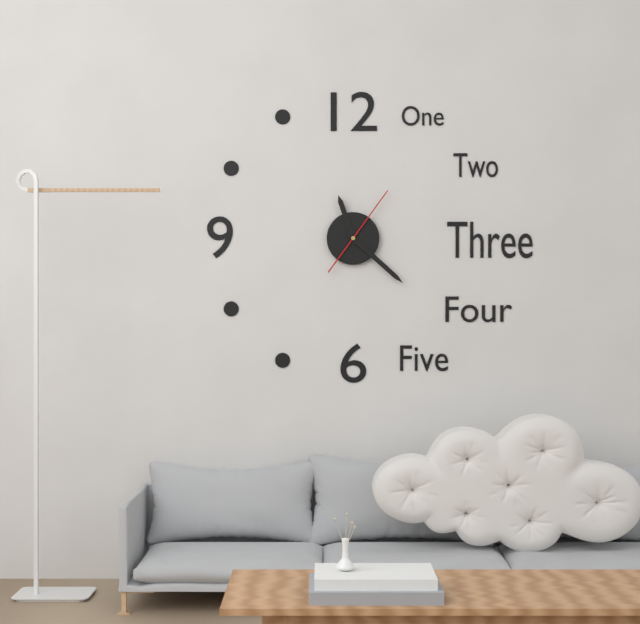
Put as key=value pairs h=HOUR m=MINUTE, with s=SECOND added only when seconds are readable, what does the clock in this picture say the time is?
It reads h=11 m=22 s=6
